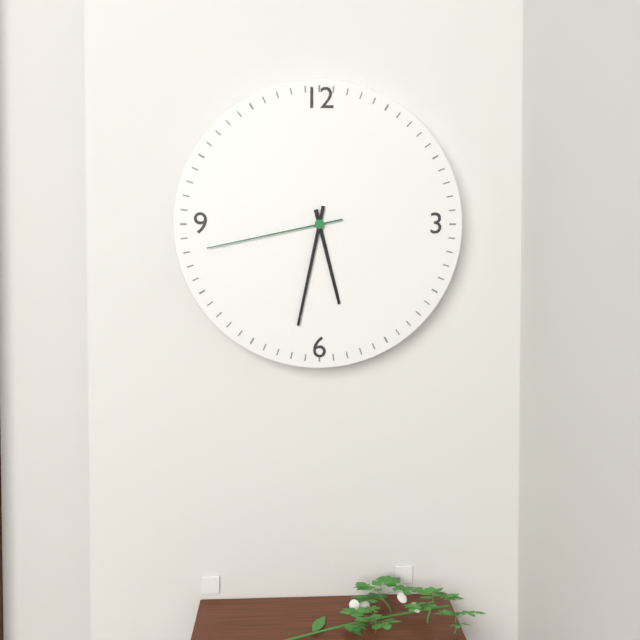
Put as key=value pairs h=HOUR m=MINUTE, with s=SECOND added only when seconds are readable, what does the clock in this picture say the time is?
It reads h=5 m=32 s=43
